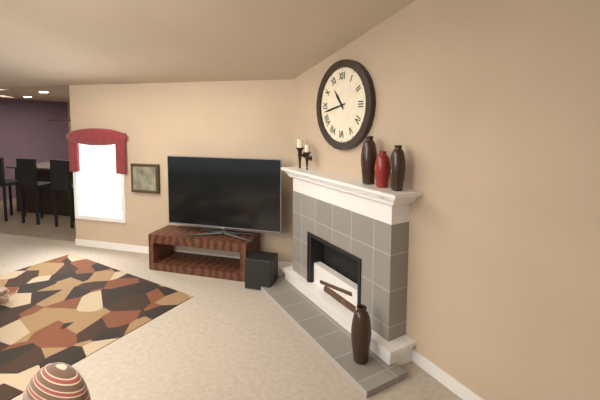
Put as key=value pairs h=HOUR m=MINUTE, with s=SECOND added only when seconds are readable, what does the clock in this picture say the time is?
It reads h=10 m=43
